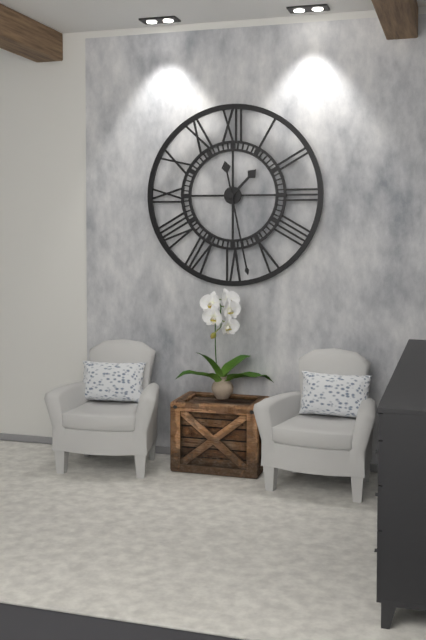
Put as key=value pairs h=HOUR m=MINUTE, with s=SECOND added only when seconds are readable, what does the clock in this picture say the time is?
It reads h=1 m=28
